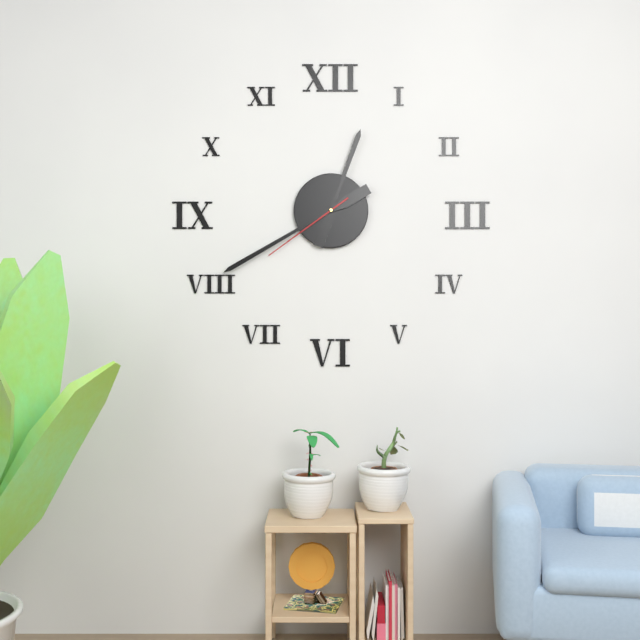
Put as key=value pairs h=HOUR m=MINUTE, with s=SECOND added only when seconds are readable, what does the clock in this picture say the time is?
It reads h=12 m=40 s=39
